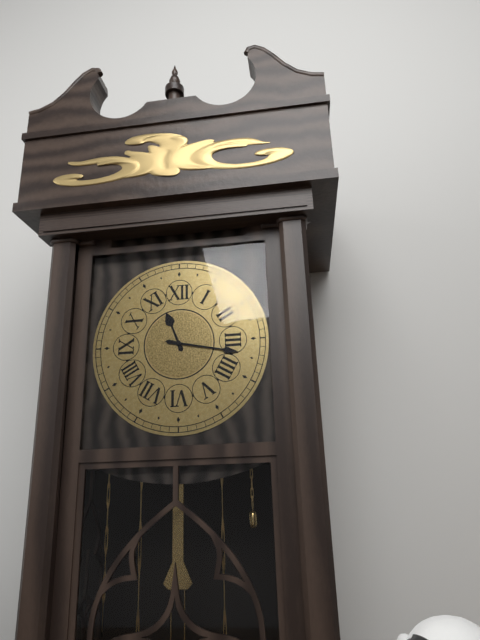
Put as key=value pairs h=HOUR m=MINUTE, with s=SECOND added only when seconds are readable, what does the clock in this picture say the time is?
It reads h=11 m=17
